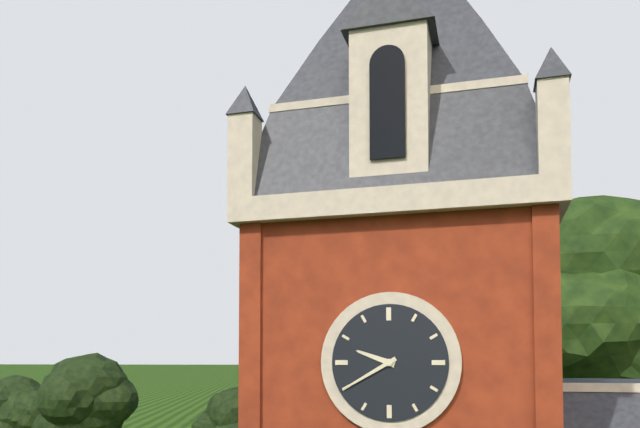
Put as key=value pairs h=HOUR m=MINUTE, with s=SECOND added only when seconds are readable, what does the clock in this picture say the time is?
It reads h=9 m=40
